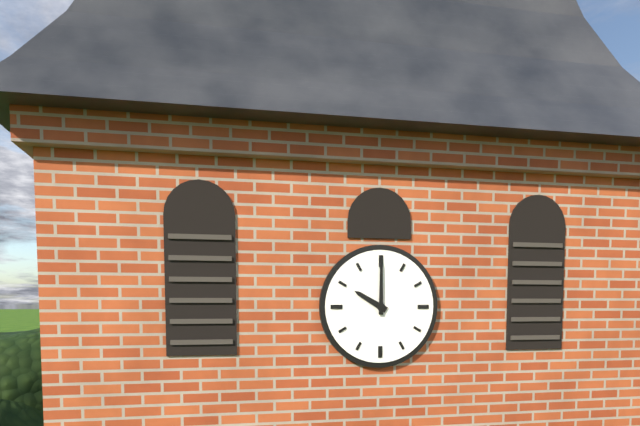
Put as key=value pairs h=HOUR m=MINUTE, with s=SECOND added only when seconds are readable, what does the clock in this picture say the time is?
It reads h=10 m=0
